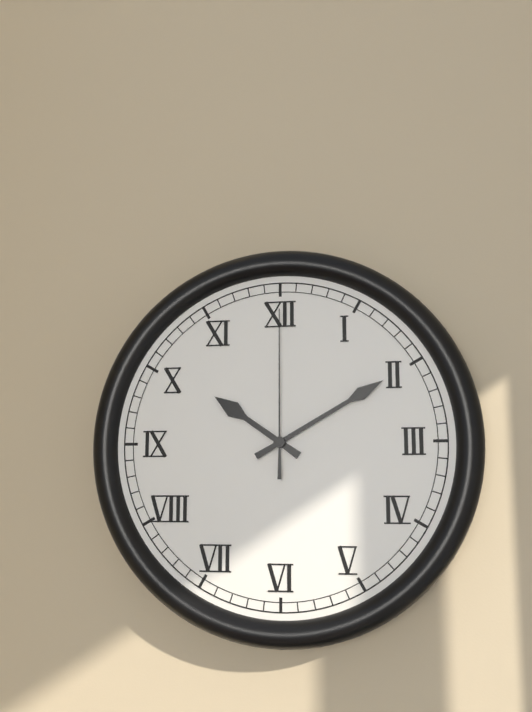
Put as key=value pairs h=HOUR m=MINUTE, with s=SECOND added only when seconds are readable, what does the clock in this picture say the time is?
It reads h=10 m=10 s=0
